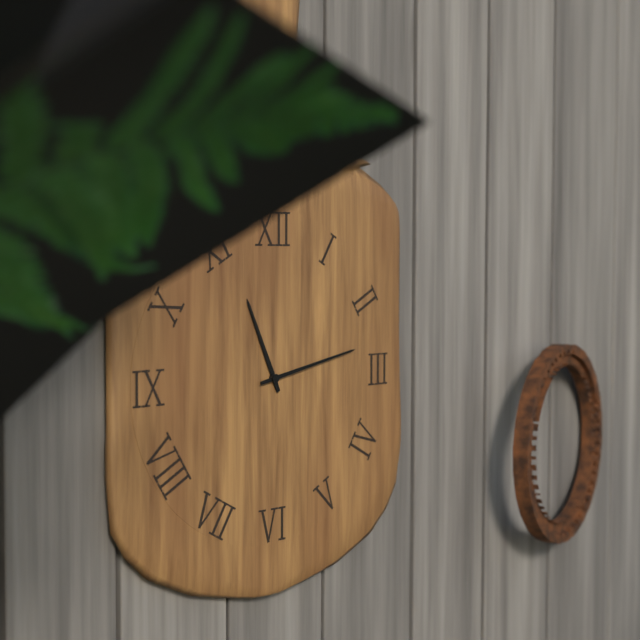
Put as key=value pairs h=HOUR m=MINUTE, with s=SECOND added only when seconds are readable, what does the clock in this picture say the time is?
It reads h=11 m=13
